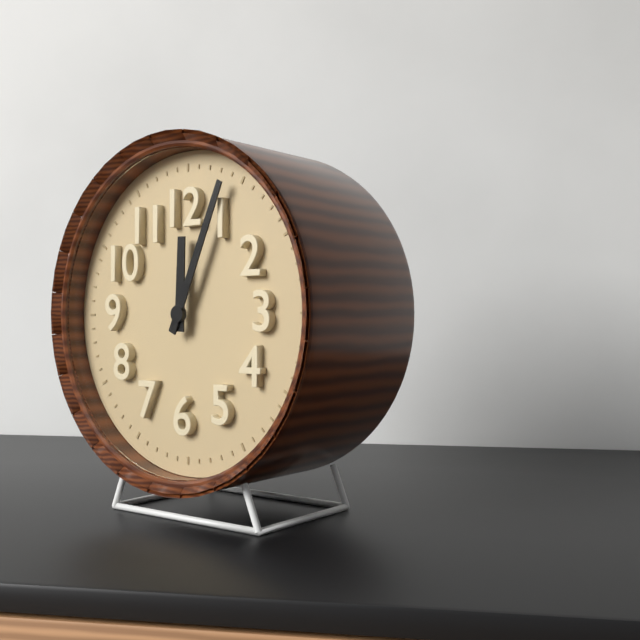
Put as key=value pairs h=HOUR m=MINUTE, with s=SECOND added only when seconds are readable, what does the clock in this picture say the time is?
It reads h=12 m=4
